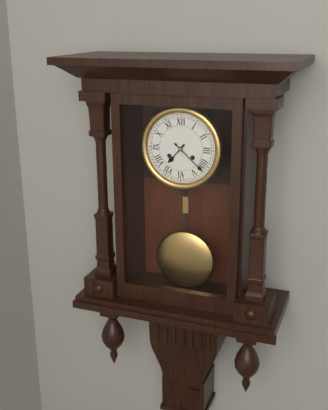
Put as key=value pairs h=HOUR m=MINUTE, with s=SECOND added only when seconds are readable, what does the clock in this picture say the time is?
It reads h=7 m=22
